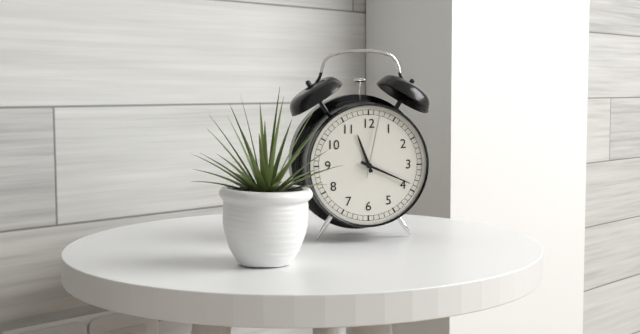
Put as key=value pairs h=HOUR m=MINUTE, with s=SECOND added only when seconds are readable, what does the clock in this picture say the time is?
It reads h=11 m=19 s=2
